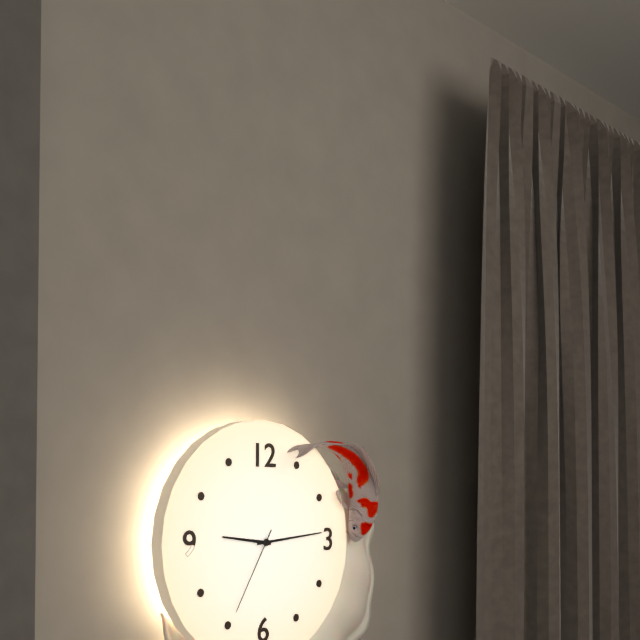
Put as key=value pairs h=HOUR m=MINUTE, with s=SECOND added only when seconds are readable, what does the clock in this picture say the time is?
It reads h=9 m=14 s=35
